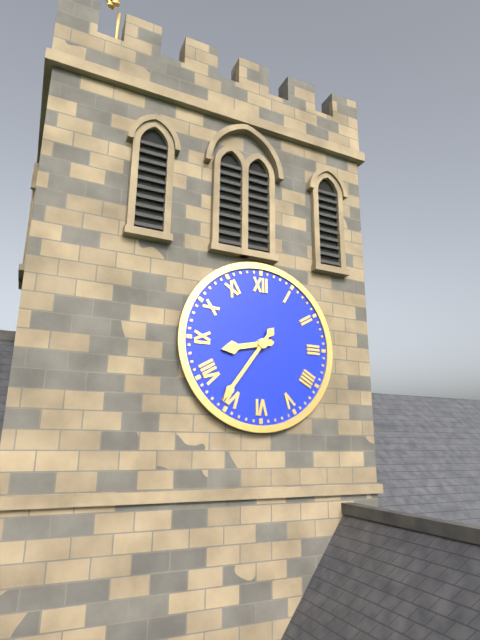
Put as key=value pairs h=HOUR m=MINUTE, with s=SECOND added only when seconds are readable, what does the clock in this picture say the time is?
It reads h=8 m=36
